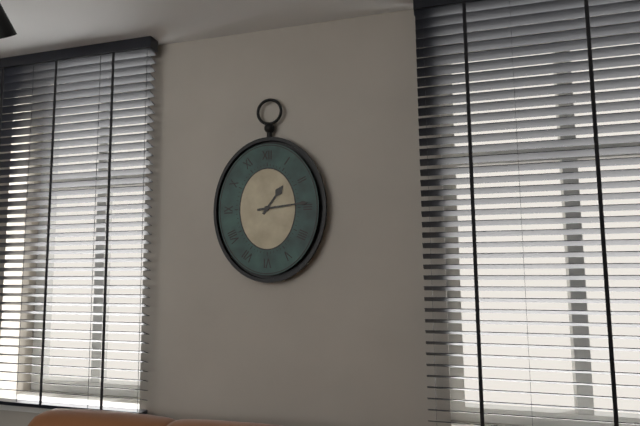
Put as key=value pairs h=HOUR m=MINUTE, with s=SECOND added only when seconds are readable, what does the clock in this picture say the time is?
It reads h=1 m=14
